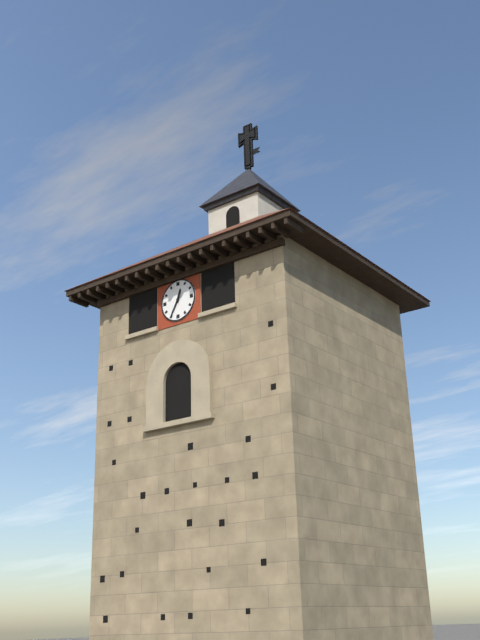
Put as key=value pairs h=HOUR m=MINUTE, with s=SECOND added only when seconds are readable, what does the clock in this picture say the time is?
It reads h=12 m=35
